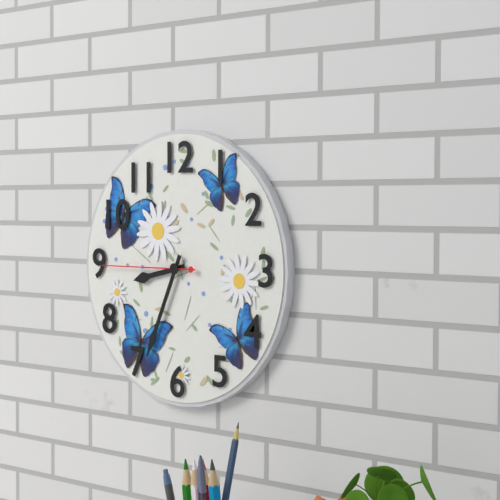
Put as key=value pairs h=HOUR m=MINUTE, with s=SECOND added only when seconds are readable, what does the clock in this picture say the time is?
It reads h=8 m=34 s=45
